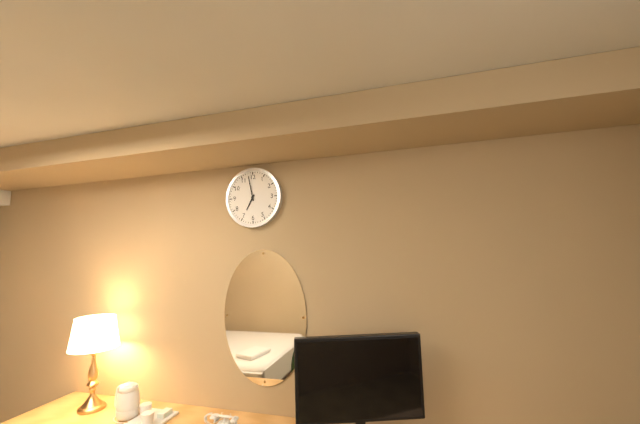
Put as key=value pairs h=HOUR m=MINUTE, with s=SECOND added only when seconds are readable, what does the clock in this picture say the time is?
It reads h=6 m=58
